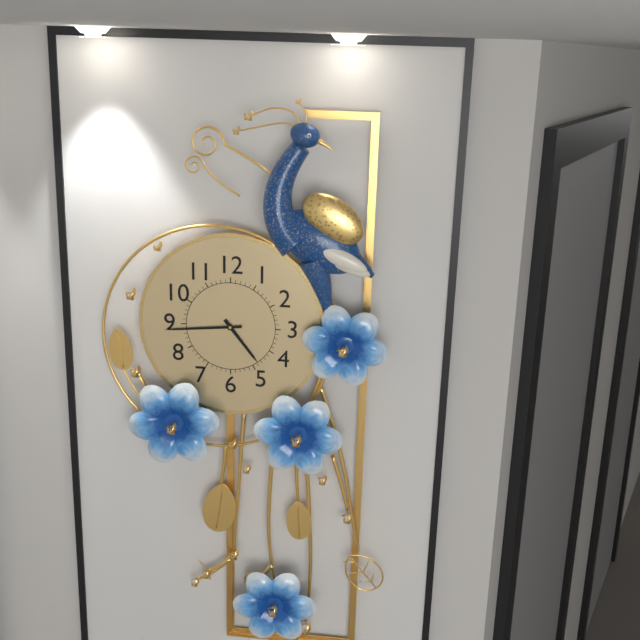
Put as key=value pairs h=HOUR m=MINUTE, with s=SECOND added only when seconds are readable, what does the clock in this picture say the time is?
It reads h=4 m=44
